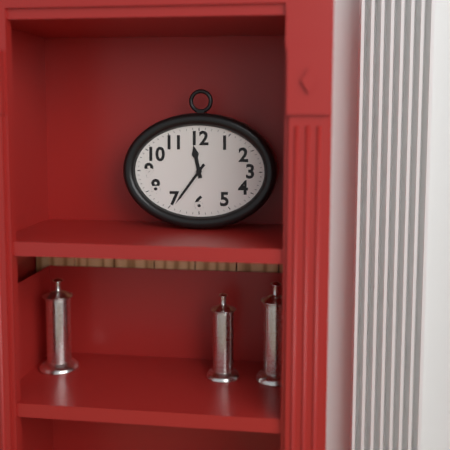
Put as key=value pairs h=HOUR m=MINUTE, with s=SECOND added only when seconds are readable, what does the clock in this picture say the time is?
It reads h=11 m=36
